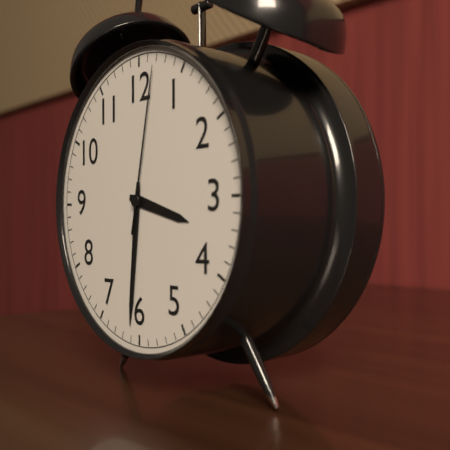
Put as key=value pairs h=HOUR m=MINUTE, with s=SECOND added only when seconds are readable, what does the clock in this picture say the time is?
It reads h=3 m=31 s=2
